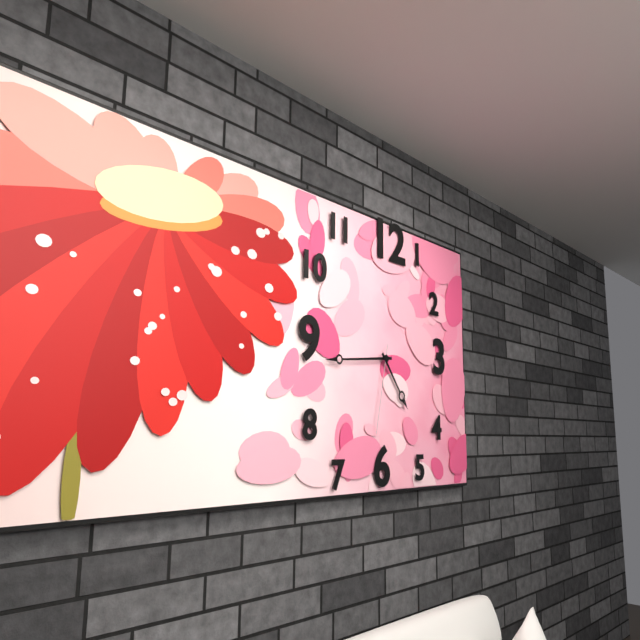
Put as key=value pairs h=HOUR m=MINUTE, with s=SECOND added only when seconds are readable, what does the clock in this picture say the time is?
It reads h=4 m=44 s=32
